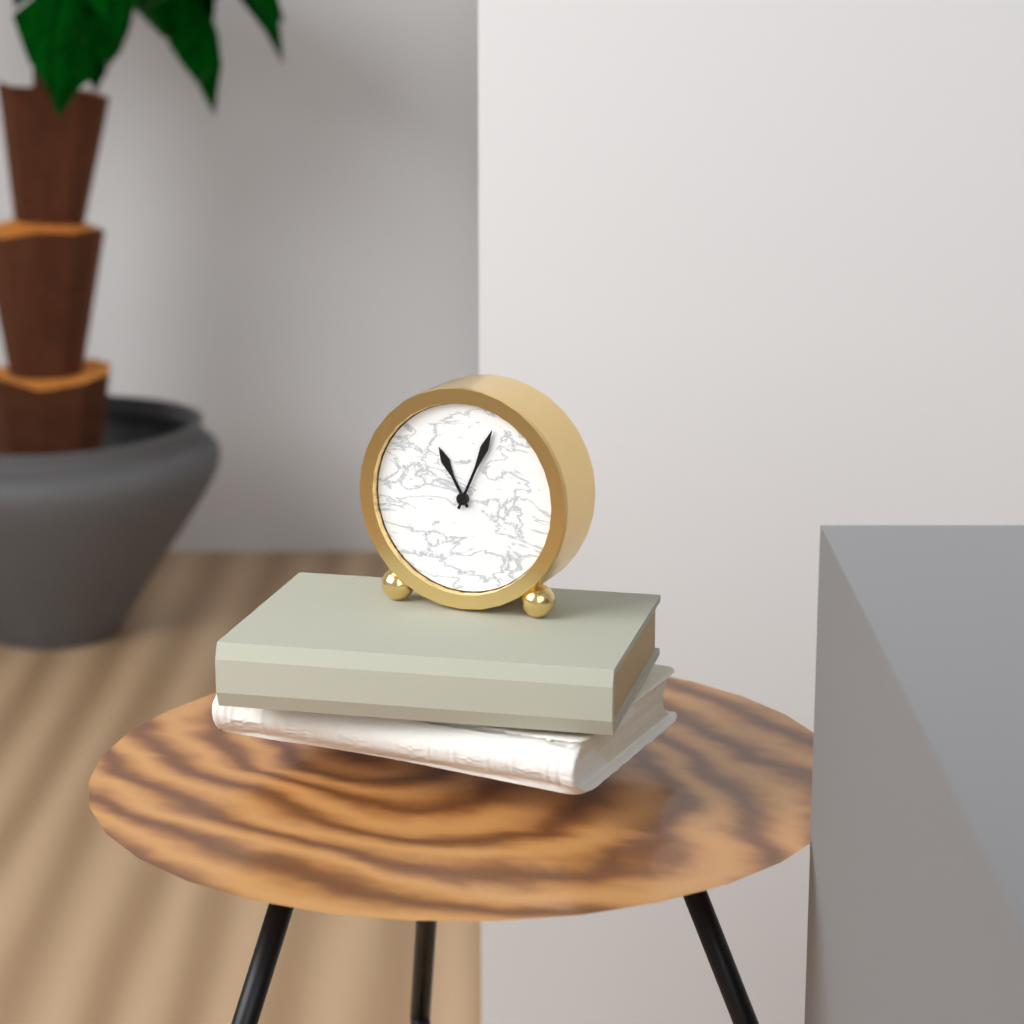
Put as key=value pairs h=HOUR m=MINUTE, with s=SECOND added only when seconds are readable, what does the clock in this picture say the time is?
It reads h=11 m=4
